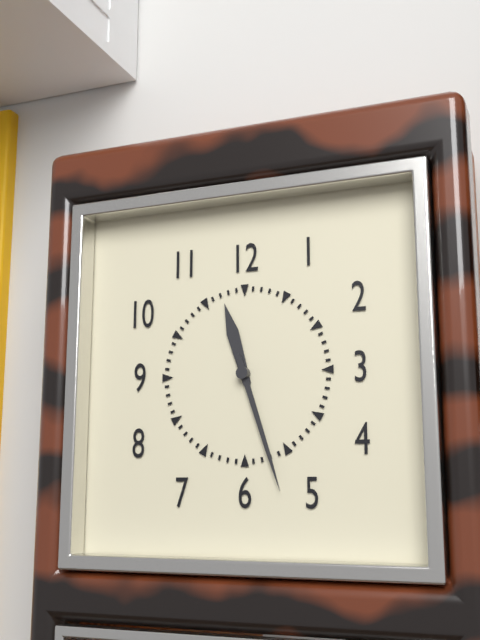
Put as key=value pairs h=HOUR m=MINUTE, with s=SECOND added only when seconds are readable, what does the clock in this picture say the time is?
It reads h=11 m=27
